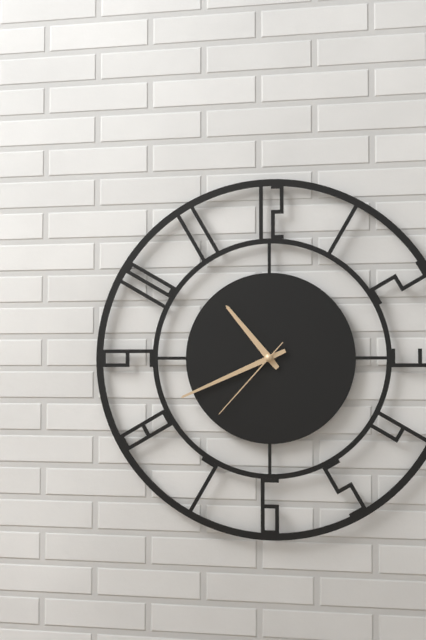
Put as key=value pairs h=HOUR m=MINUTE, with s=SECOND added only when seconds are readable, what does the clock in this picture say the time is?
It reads h=10 m=41 s=37
